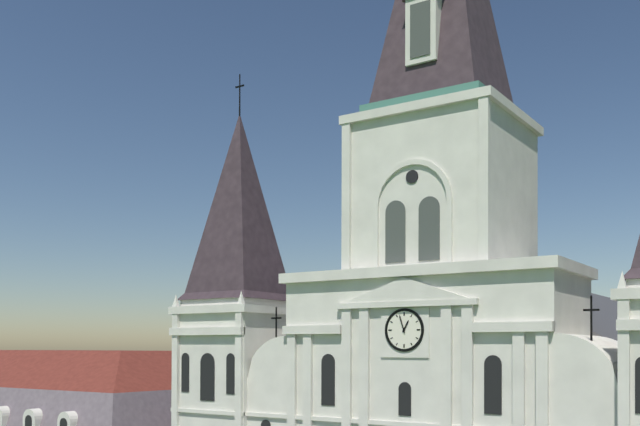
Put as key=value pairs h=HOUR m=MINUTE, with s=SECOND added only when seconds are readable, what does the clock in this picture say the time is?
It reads h=12 m=57
